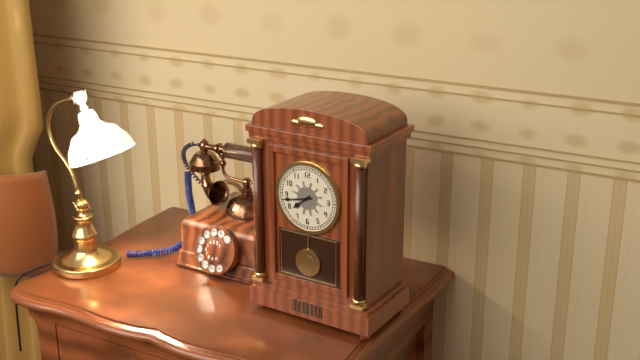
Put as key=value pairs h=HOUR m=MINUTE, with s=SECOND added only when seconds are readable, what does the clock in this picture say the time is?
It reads h=7 m=43
